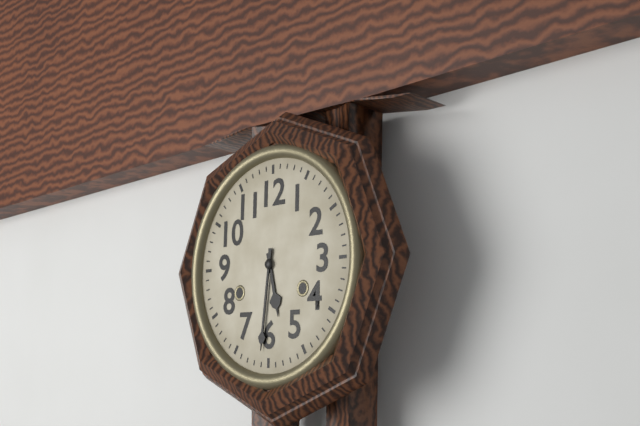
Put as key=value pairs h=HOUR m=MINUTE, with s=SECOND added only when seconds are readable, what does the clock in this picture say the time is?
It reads h=5 m=31
